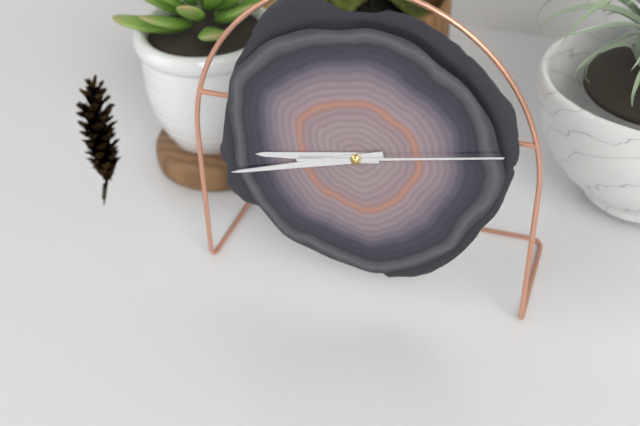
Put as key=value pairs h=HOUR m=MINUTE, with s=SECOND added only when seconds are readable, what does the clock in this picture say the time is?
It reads h=8 m=42 s=13
